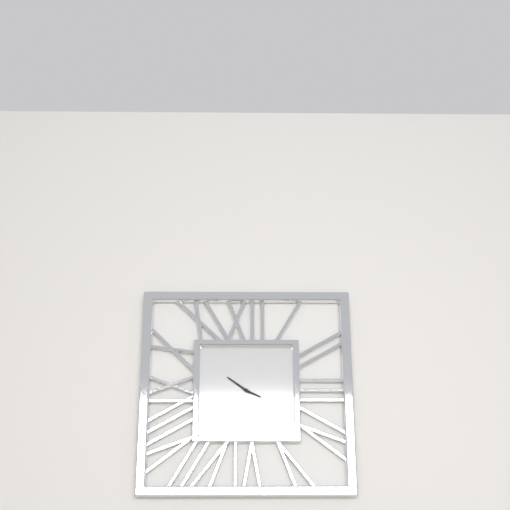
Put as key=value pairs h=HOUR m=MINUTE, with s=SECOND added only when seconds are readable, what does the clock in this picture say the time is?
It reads h=3 m=51
